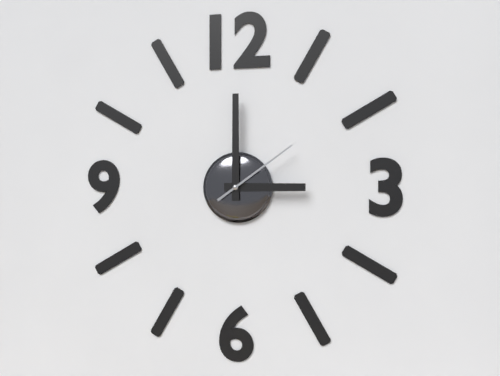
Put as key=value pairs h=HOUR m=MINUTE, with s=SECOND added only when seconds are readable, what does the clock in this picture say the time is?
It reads h=3 m=0 s=9
